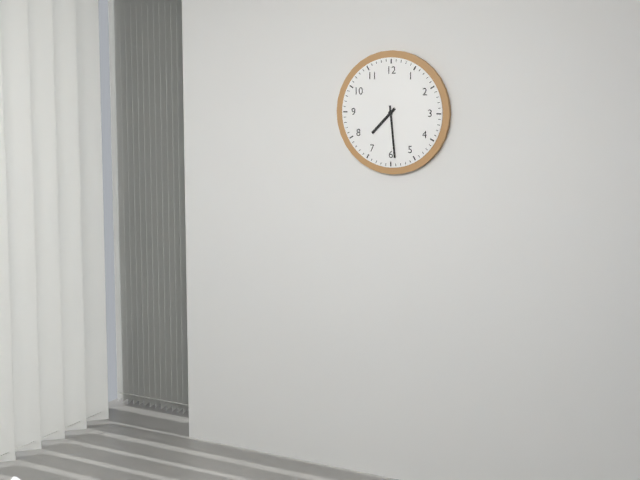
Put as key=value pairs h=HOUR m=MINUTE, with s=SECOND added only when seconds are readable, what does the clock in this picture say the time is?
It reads h=7 m=29
